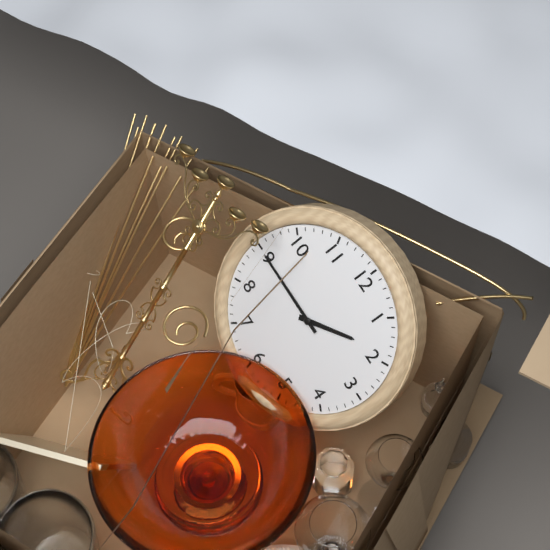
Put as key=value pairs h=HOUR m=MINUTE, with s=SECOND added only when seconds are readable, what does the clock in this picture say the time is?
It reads h=1 m=45
